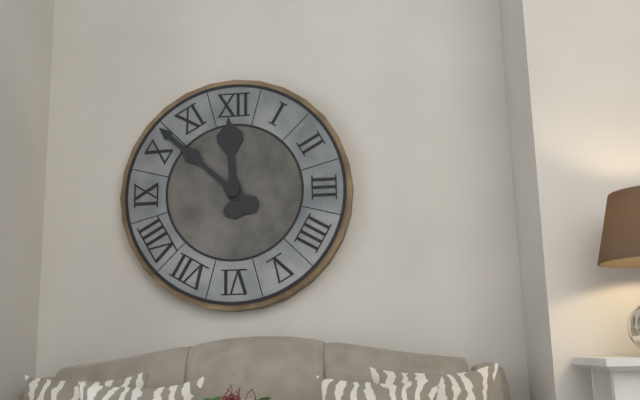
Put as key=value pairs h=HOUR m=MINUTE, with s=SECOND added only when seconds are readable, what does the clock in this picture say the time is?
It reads h=11 m=52
